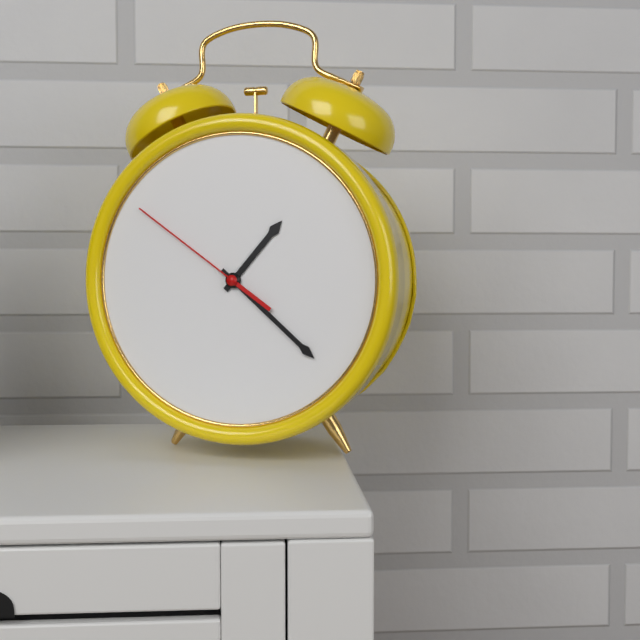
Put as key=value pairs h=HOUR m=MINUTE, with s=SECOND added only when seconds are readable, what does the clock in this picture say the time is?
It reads h=1 m=22 s=51
